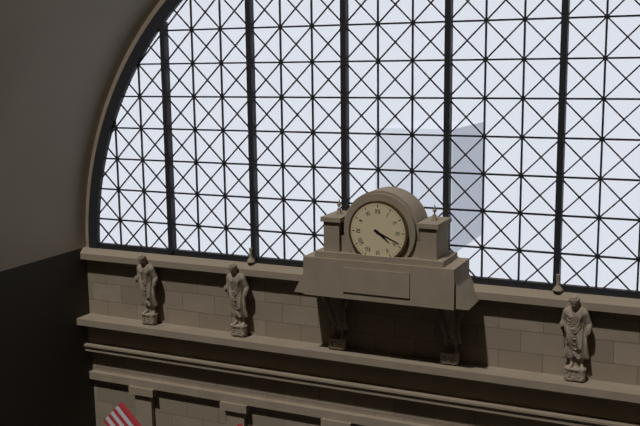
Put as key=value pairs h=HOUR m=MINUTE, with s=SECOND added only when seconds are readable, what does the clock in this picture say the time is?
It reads h=4 m=19
